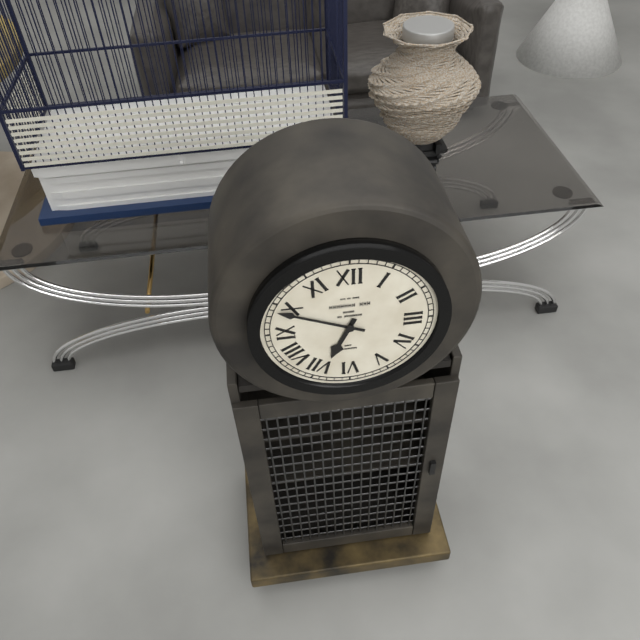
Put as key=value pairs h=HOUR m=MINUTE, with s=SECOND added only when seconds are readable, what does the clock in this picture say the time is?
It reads h=6 m=49
